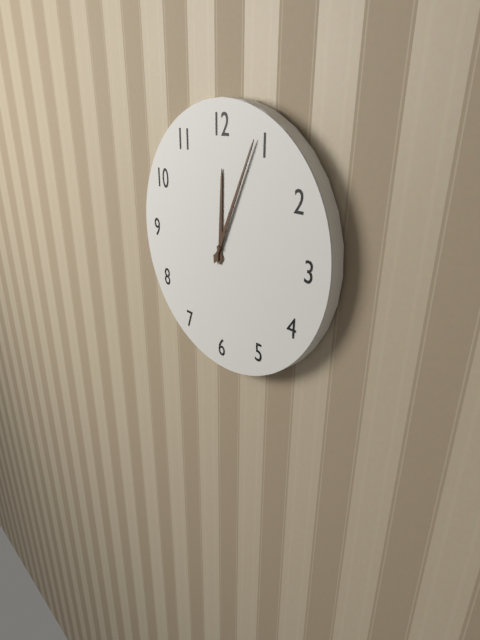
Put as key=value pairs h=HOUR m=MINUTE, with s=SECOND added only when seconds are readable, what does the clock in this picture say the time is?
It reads h=12 m=4
